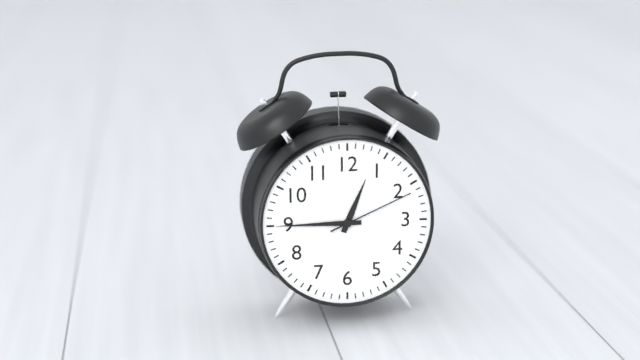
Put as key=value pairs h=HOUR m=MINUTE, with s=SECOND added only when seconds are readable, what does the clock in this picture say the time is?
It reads h=12 m=45 s=11
